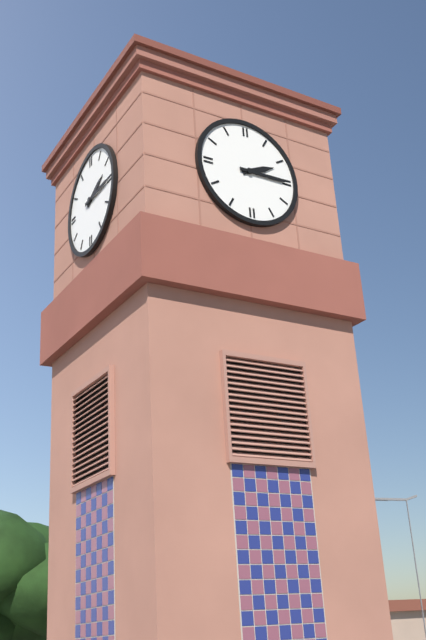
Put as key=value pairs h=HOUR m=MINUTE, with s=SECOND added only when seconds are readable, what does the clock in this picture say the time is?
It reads h=2 m=15
